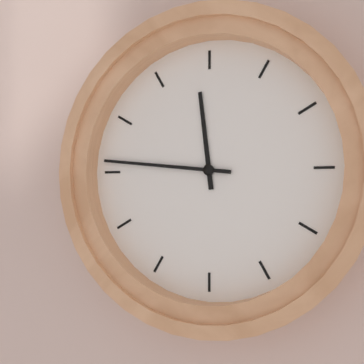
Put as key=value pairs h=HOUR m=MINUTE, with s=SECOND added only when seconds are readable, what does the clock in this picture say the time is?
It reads h=11 m=46
